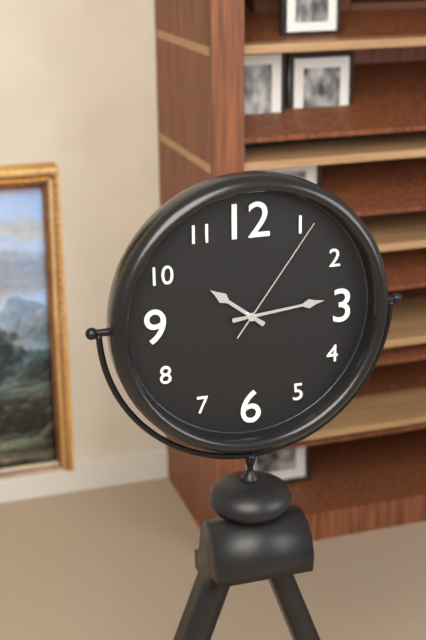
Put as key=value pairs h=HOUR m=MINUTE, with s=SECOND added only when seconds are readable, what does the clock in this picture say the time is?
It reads h=10 m=14 s=6
